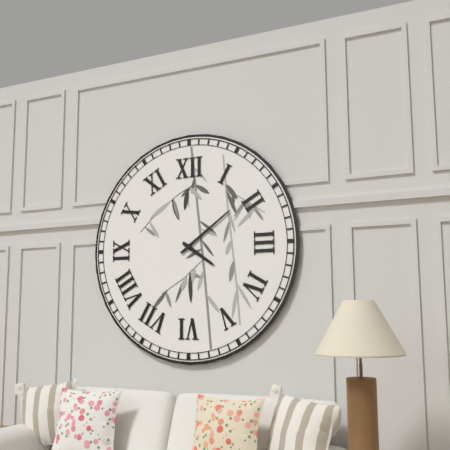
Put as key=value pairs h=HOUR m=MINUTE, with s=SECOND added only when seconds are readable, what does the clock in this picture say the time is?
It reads h=4 m=9
